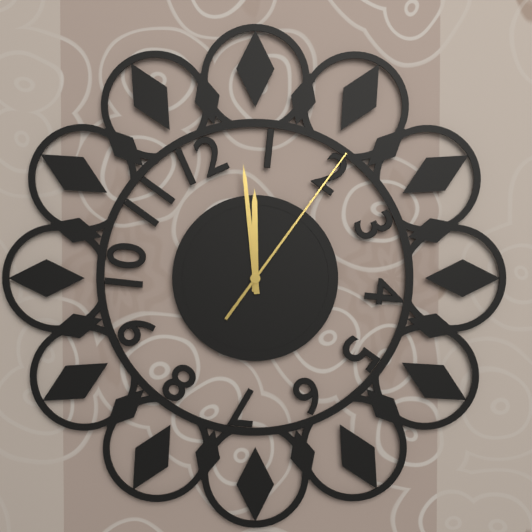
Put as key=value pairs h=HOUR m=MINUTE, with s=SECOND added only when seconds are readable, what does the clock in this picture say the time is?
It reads h=11 m=59 s=6
